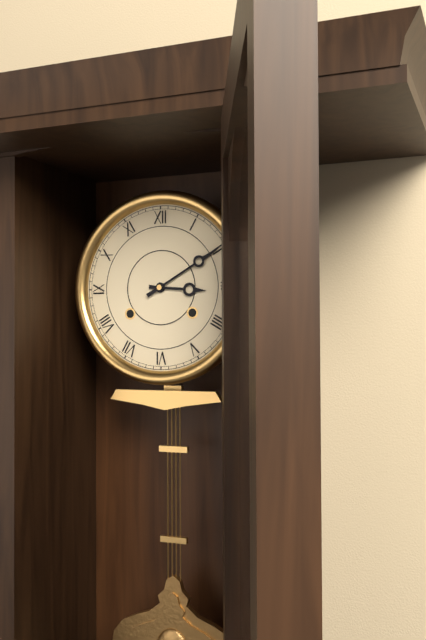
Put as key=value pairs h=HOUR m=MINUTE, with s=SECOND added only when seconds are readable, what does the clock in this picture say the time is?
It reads h=3 m=10
